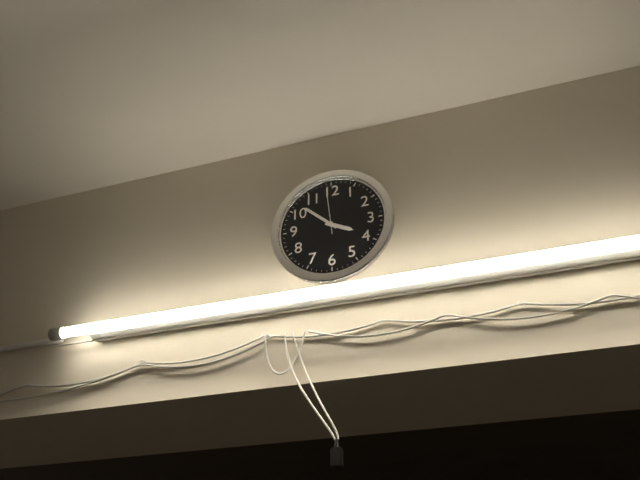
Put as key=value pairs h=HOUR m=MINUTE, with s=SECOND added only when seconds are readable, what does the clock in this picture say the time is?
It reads h=3 m=52
